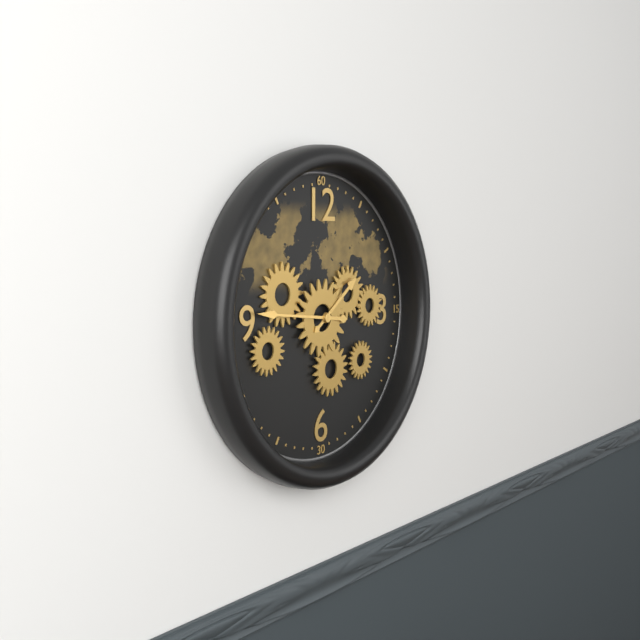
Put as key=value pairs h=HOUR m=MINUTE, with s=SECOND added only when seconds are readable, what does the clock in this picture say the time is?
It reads h=1 m=46
